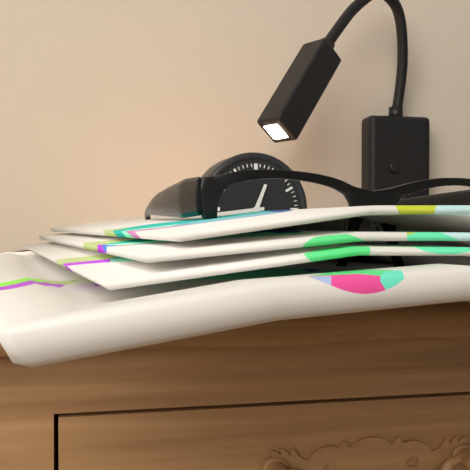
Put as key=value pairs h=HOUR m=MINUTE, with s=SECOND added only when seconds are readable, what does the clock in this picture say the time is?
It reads h=12 m=44
